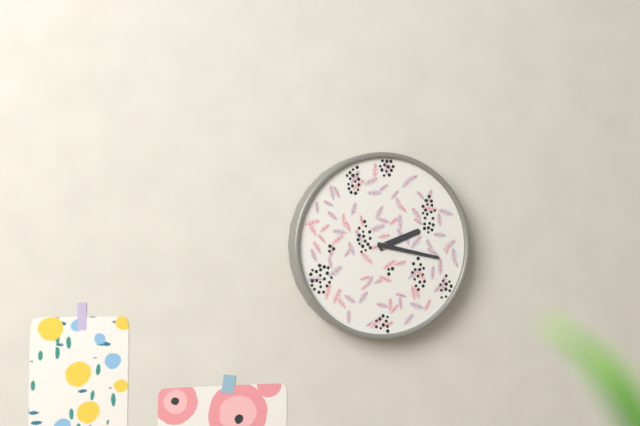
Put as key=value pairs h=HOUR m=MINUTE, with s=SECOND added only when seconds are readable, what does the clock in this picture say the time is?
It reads h=2 m=17
